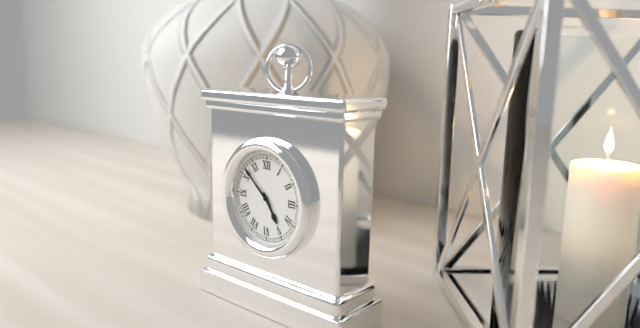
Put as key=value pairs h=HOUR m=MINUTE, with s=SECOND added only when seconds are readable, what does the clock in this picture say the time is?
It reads h=4 m=52
